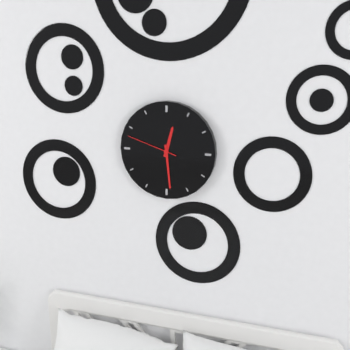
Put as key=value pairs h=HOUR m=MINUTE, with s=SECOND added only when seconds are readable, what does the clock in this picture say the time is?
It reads h=12 m=29 s=48
